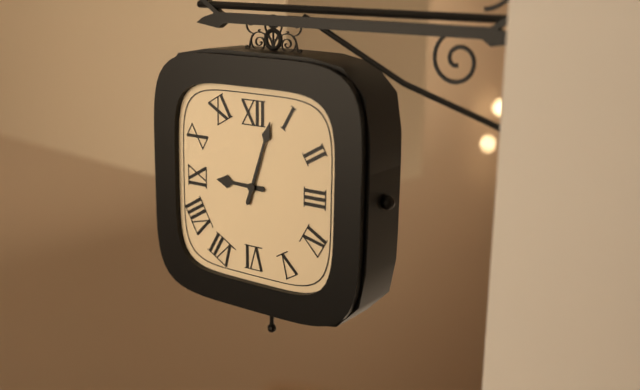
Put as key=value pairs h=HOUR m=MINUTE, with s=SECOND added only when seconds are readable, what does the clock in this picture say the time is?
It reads h=9 m=3
